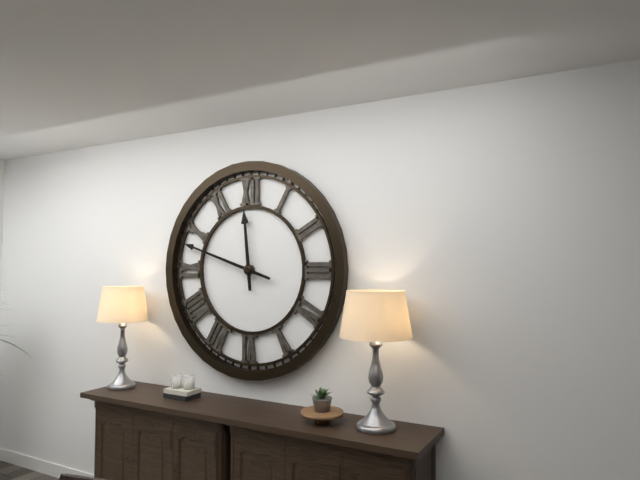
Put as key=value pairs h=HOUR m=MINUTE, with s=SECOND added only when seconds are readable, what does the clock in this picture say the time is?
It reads h=11 m=48
